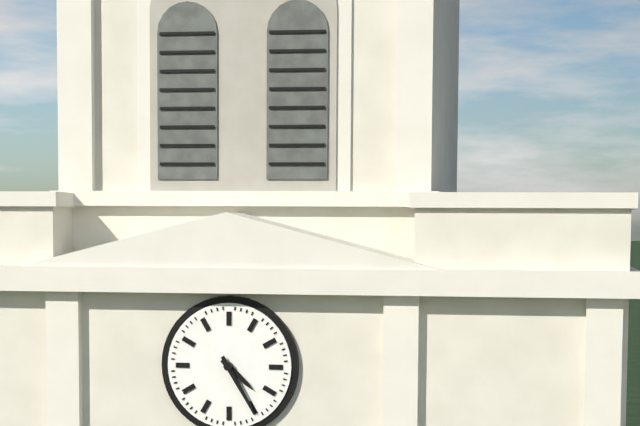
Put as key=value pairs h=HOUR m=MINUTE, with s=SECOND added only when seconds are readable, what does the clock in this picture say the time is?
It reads h=4 m=25
